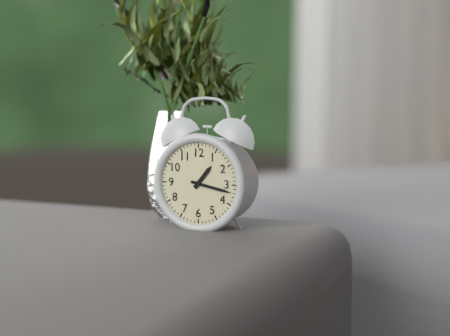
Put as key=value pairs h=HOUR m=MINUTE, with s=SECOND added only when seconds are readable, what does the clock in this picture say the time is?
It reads h=1 m=17
